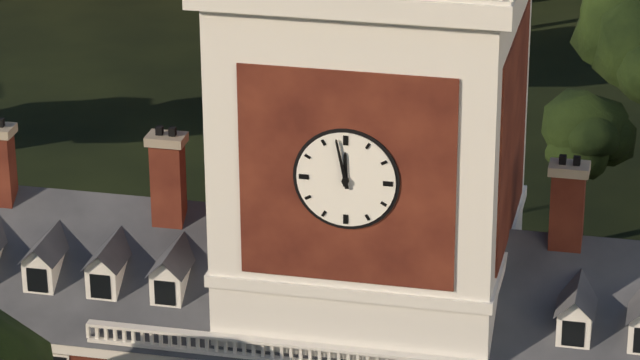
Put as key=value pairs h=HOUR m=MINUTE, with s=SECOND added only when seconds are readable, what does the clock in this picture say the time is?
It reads h=11 m=58
